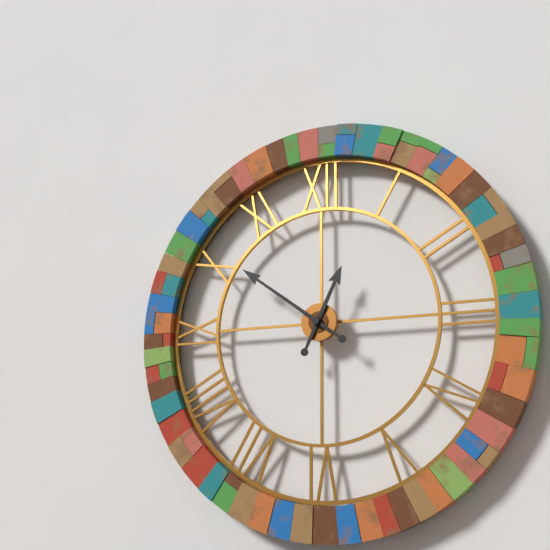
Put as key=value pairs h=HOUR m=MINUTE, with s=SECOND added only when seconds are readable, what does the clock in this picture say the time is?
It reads h=12 m=51
